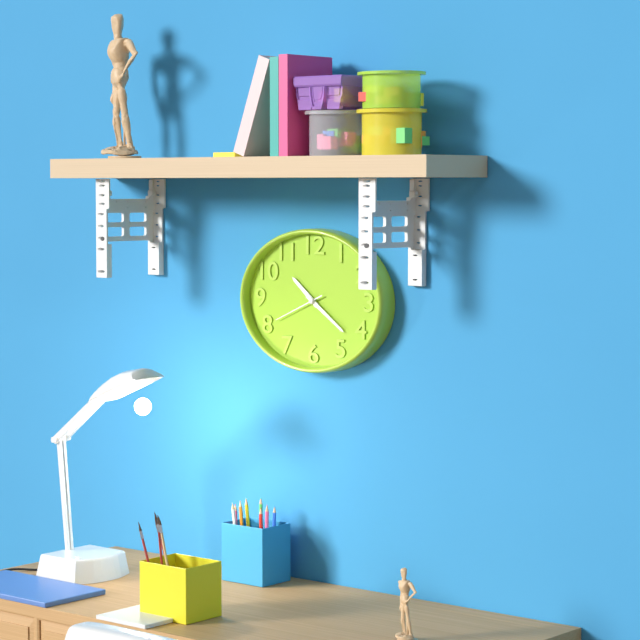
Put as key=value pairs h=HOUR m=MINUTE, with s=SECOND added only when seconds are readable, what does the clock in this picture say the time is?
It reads h=10 m=21 s=41
